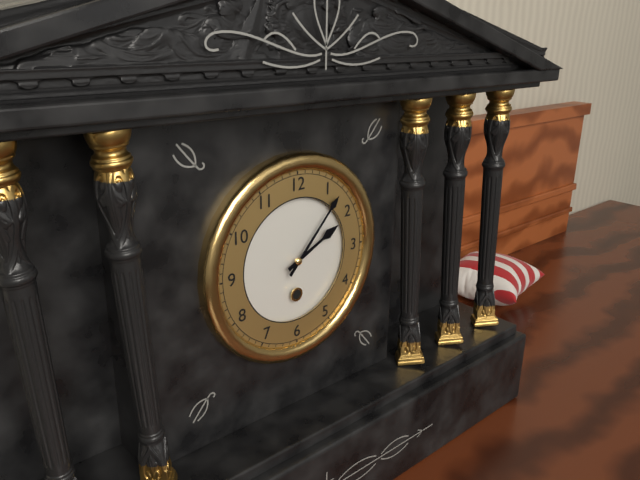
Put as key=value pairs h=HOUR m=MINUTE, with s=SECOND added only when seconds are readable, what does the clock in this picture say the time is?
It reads h=2 m=7
